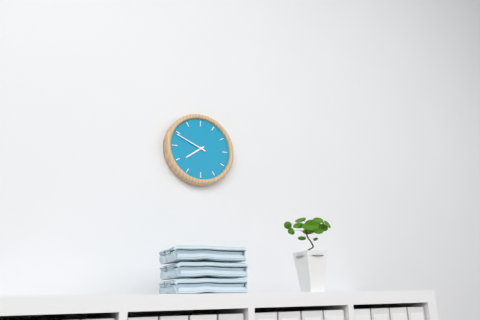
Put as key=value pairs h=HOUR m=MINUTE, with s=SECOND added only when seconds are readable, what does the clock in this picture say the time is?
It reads h=7 m=49
